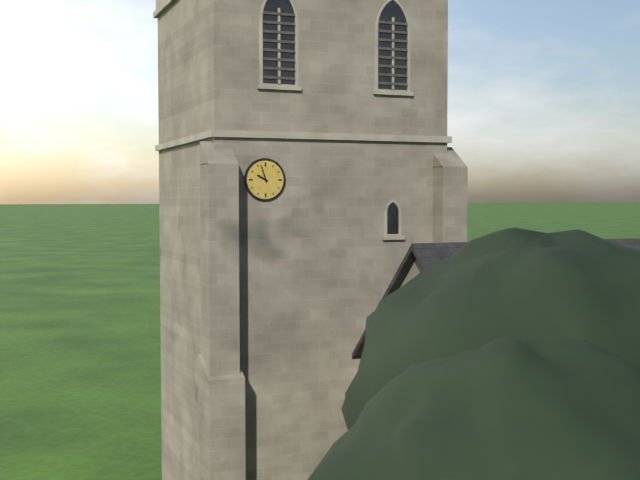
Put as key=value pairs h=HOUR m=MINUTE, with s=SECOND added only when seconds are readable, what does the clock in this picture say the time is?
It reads h=9 m=57
